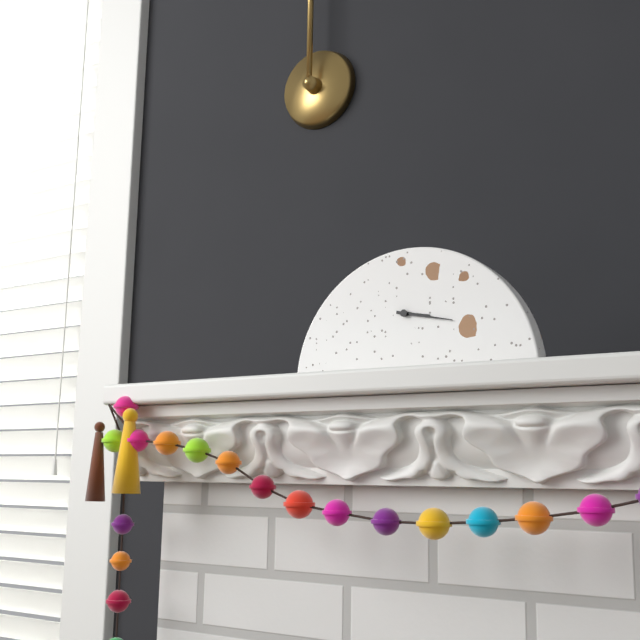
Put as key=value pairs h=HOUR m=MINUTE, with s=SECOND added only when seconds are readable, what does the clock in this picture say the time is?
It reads h=3 m=17
